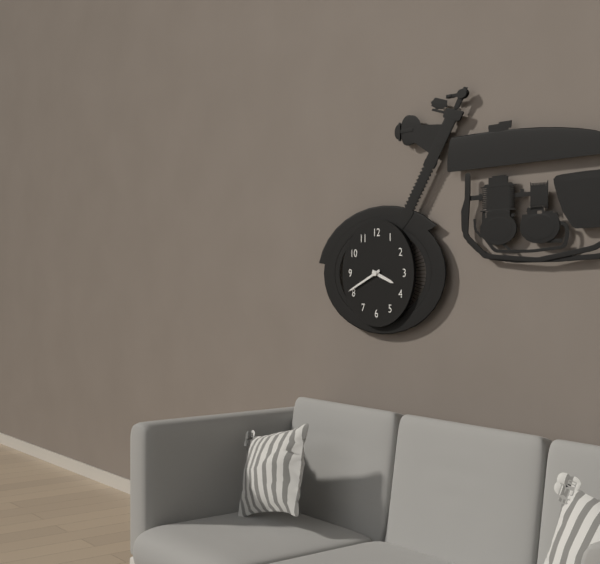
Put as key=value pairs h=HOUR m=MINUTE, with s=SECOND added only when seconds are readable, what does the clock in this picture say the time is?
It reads h=3 m=41
